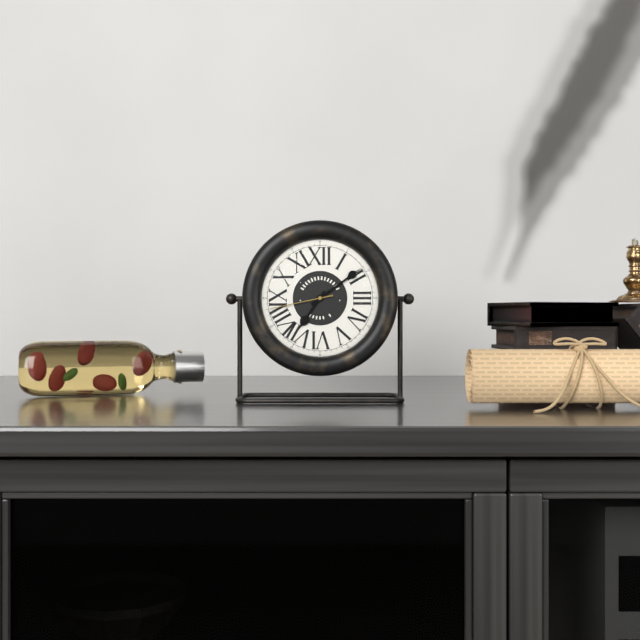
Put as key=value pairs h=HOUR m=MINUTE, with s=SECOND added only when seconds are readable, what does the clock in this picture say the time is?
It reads h=7 m=9 s=43
